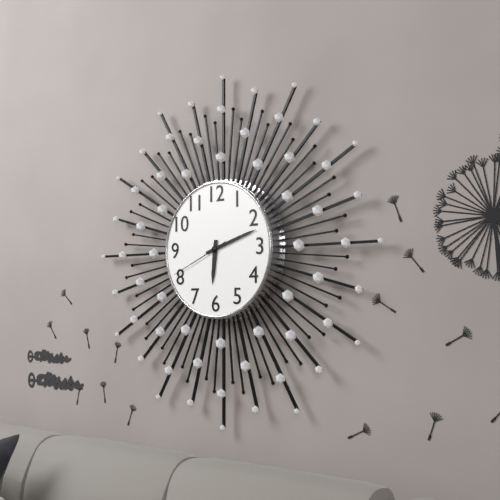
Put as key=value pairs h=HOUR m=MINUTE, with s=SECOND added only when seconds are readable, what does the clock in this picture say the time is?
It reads h=6 m=12 s=41
